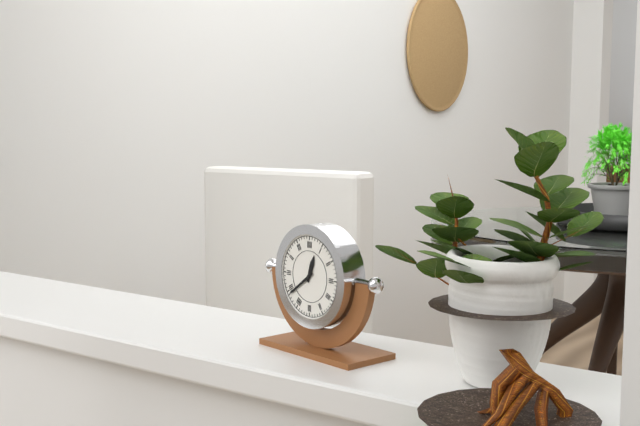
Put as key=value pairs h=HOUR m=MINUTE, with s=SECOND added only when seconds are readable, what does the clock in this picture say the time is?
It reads h=12 m=39
